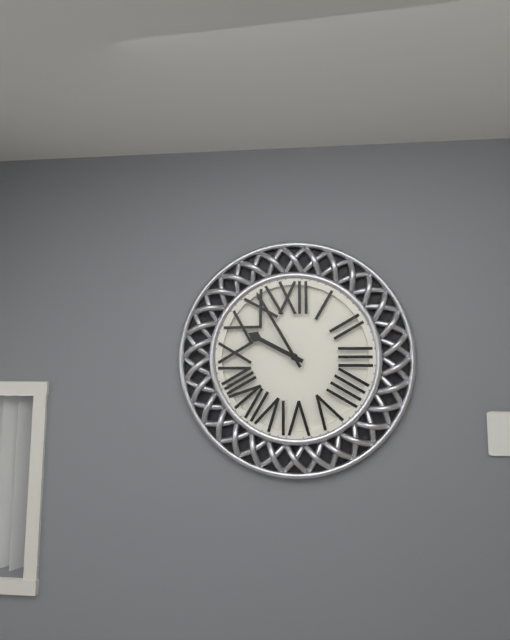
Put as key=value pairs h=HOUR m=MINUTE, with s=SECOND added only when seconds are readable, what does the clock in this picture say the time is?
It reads h=9 m=55
